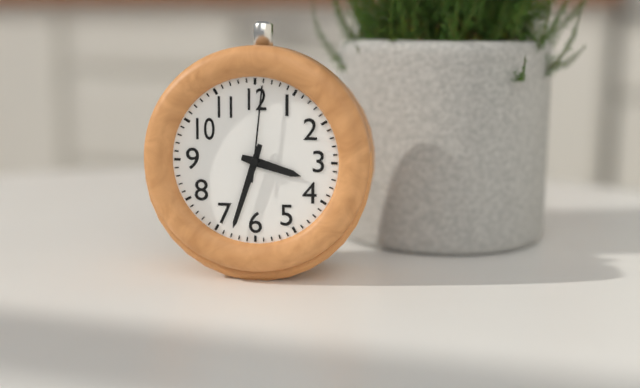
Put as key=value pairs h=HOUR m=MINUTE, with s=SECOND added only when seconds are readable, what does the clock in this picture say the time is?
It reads h=3 m=33 s=1
